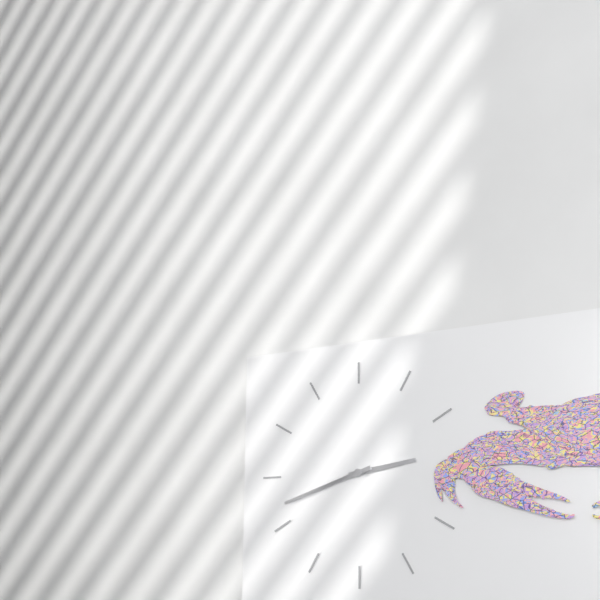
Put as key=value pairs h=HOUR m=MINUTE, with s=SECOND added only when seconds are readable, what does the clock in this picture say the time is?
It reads h=2 m=42
